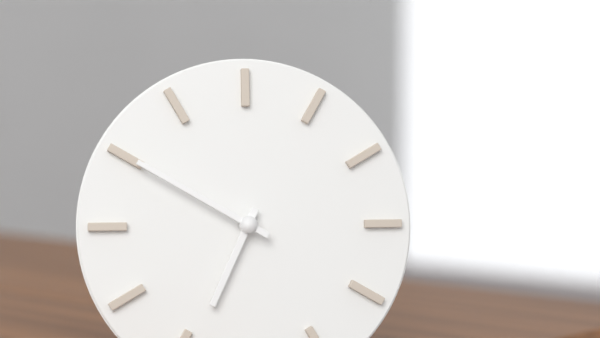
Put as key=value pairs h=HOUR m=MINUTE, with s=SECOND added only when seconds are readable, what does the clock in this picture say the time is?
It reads h=6 m=50
